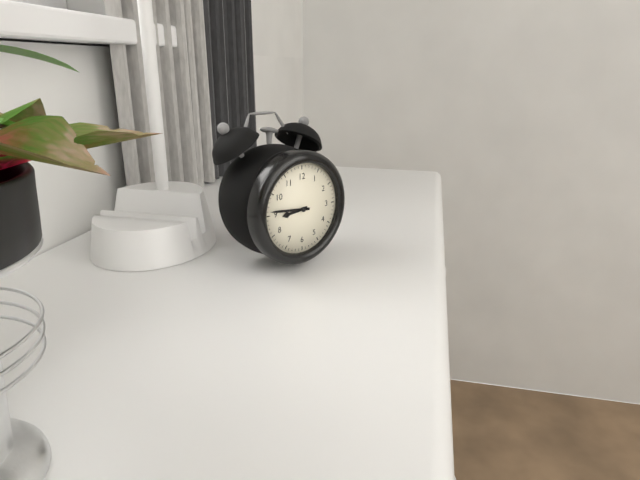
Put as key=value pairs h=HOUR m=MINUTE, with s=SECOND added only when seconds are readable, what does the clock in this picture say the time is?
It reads h=8 m=46
